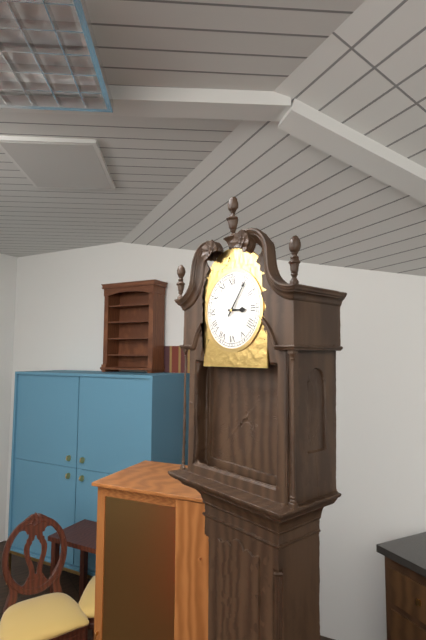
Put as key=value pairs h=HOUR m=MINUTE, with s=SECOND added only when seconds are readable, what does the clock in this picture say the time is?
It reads h=3 m=6
